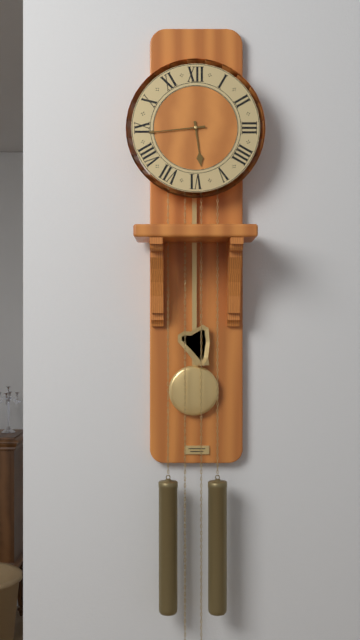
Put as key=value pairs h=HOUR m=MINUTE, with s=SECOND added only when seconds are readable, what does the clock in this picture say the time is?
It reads h=5 m=44
